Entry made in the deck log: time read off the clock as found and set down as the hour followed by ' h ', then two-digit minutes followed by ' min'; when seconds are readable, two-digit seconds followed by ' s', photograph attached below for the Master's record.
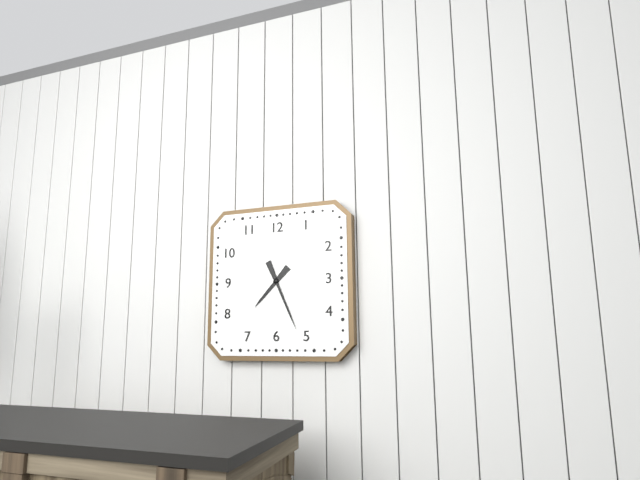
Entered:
7 h 26 min
